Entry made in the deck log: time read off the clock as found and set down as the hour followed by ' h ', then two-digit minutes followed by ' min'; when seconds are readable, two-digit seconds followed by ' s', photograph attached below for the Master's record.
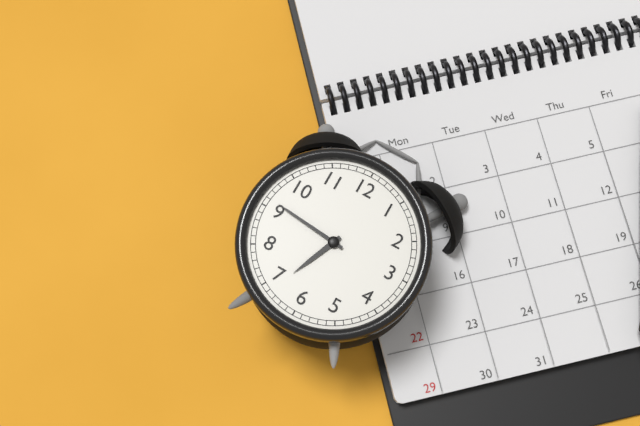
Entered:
6 h 46 min
